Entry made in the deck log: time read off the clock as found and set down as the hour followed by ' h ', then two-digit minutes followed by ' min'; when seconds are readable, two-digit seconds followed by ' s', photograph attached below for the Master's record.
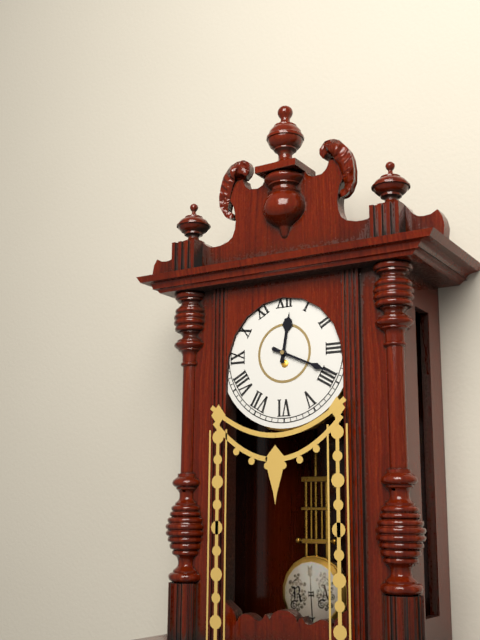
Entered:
12 h 19 min
